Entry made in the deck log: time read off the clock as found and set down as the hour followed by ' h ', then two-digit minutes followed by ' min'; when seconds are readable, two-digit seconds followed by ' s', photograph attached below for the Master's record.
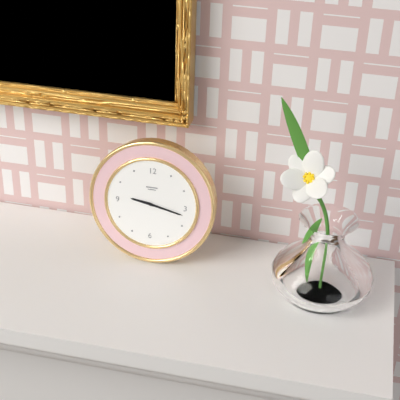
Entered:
9 h 17 min
